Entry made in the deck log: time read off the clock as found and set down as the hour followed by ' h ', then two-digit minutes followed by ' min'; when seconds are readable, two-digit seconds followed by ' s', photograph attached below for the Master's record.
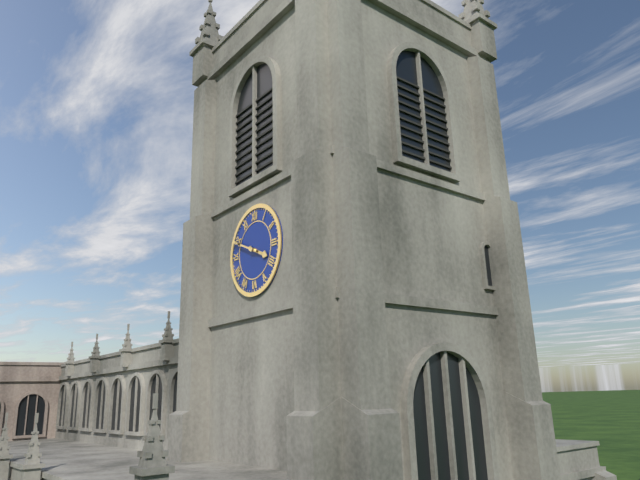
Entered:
3 h 49 min
